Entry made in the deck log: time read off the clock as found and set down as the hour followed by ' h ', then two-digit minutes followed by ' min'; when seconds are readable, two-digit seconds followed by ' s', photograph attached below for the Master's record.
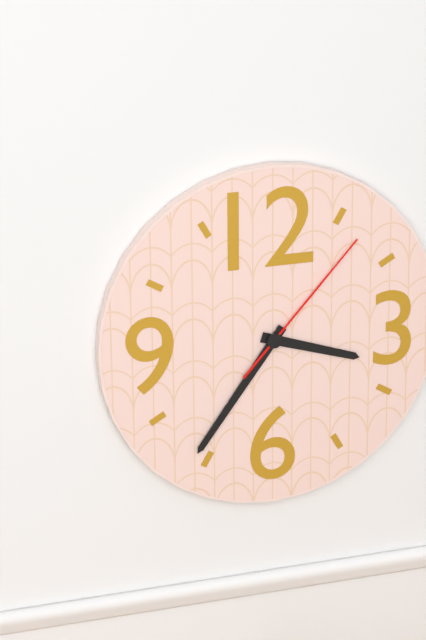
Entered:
3 h 36 min 07 s
